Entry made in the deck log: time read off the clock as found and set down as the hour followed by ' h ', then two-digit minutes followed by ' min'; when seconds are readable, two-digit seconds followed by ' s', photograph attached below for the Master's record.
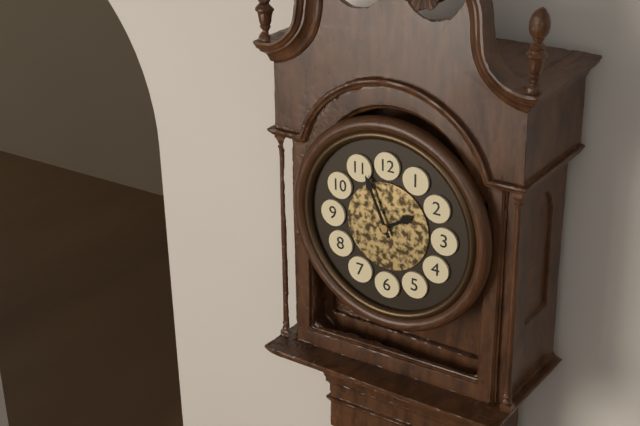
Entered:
1 h 56 min
